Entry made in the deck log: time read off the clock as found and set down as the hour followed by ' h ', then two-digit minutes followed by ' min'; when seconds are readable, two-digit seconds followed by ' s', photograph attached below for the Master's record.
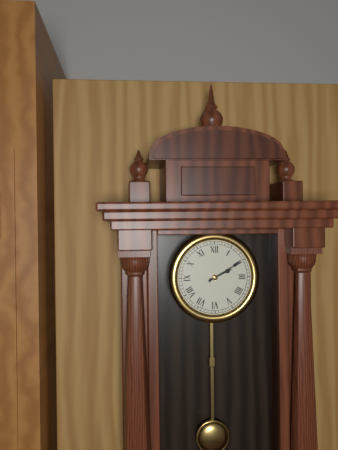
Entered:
2 h 10 min
